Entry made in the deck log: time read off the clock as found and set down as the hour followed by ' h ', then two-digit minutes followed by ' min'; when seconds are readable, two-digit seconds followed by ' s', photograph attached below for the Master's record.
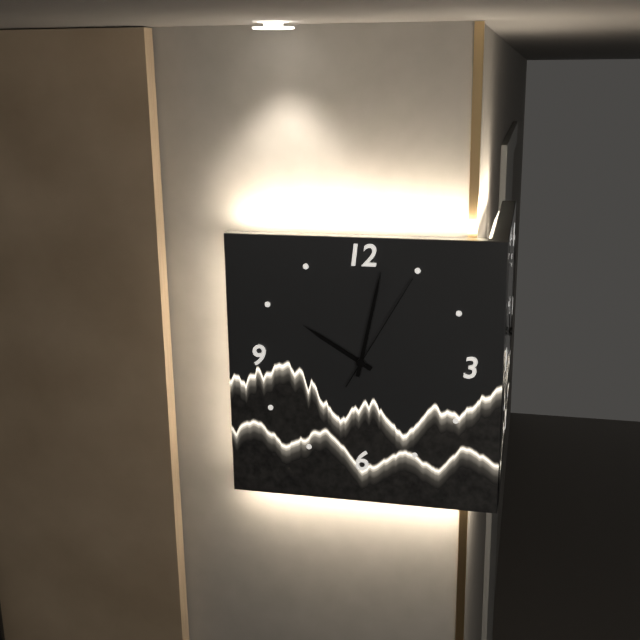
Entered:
10 h 02 min 05 s
